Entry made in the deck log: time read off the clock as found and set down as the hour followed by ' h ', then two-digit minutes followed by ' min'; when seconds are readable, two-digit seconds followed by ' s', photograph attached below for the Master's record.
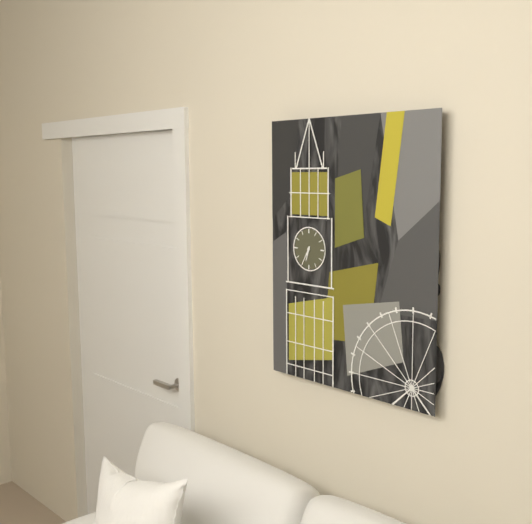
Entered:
6 h 35 min
